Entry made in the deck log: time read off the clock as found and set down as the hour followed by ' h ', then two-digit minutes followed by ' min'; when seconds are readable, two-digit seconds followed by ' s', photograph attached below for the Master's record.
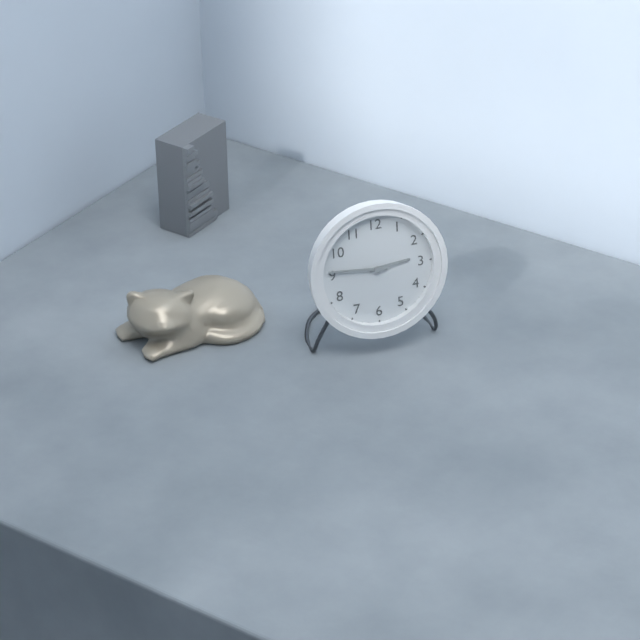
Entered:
2 h 46 min
